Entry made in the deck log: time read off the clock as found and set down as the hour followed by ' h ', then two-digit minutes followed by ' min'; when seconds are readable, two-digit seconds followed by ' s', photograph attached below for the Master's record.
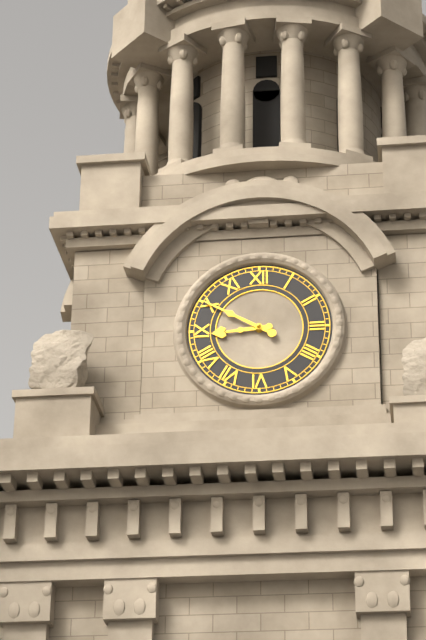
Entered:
8 h 50 min
